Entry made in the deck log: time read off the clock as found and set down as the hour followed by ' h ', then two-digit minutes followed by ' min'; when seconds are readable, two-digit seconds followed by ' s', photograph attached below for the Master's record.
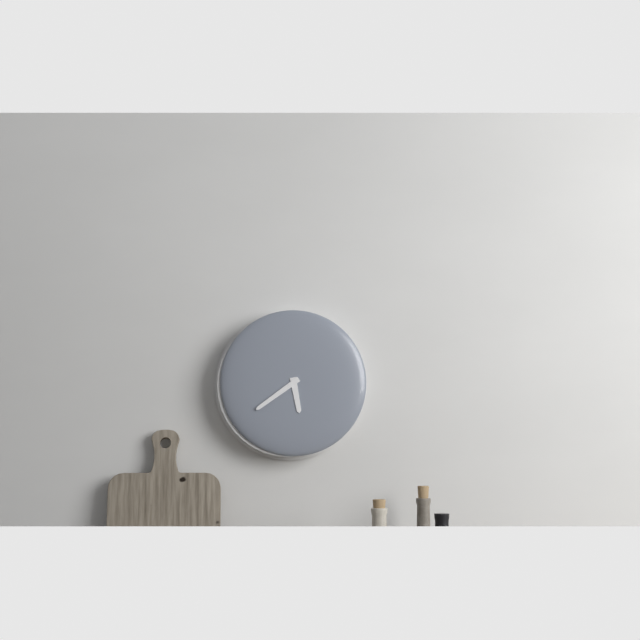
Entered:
5 h 39 min
